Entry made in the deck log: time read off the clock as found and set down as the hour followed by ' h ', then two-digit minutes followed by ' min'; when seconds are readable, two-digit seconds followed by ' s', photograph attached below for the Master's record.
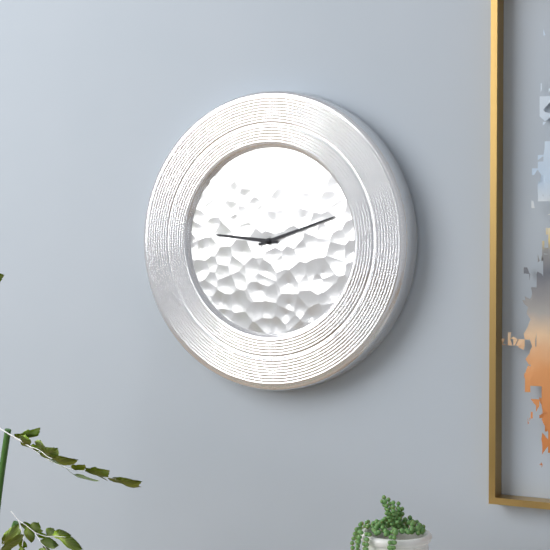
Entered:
9 h 12 min
